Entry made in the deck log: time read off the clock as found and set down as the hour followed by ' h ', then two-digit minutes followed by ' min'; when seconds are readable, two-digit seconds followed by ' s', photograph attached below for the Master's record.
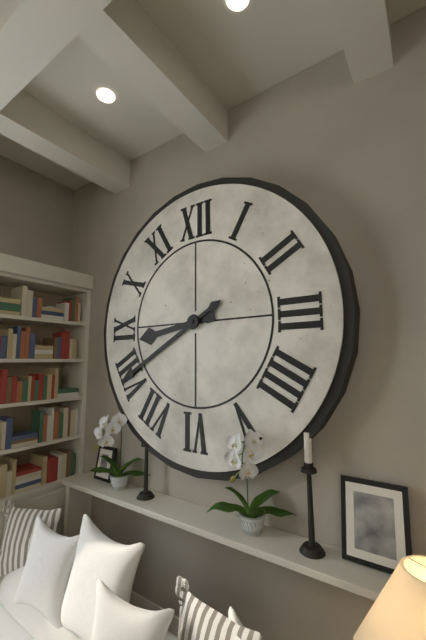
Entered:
8 h 40 min
